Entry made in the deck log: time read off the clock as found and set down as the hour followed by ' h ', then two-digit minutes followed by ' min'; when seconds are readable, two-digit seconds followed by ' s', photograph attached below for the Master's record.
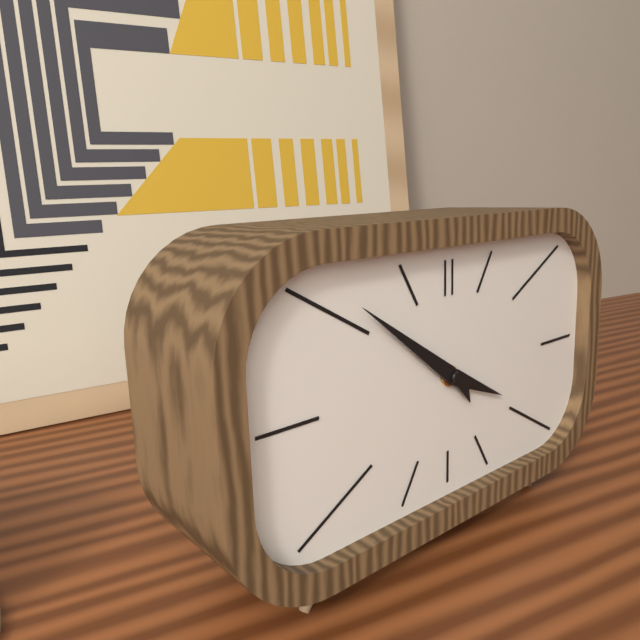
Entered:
3 h 51 min
